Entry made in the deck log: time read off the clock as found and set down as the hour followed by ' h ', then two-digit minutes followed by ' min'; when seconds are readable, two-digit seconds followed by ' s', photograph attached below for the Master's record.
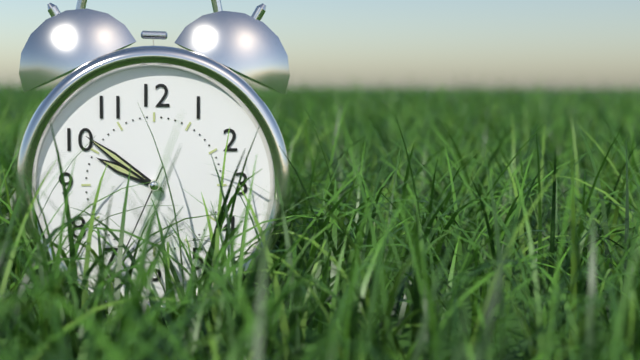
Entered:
9 h 51 min
